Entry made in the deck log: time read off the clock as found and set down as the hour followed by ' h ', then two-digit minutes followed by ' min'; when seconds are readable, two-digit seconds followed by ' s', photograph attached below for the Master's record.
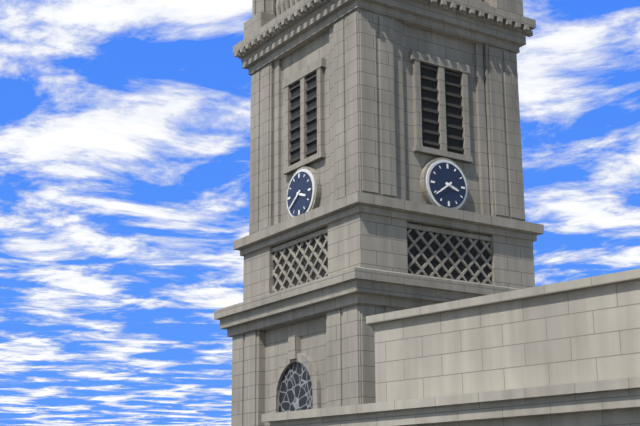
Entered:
3 h 39 min
